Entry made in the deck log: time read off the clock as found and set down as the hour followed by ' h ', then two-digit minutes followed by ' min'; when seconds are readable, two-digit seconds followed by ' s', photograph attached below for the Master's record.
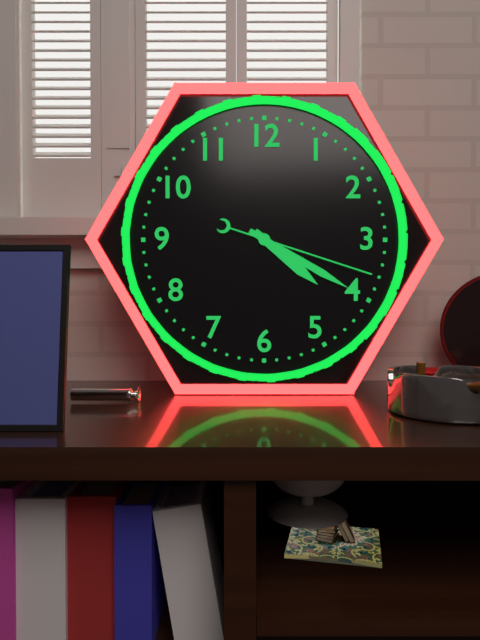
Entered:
4 h 20 min 18 s
